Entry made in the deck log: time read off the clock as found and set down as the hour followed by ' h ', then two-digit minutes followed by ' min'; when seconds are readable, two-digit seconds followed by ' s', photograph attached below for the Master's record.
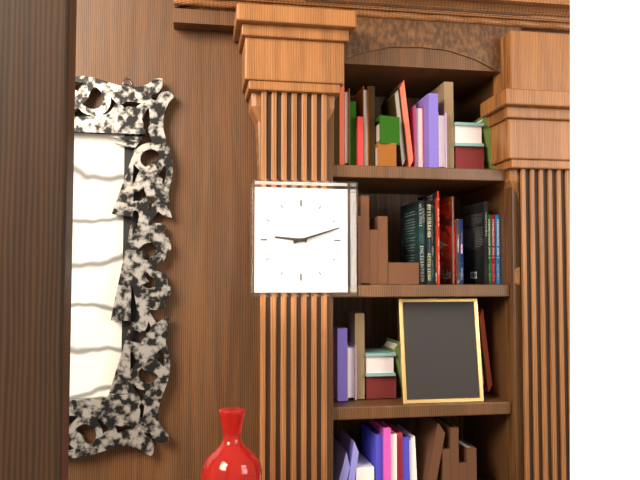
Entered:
9 h 12 min
